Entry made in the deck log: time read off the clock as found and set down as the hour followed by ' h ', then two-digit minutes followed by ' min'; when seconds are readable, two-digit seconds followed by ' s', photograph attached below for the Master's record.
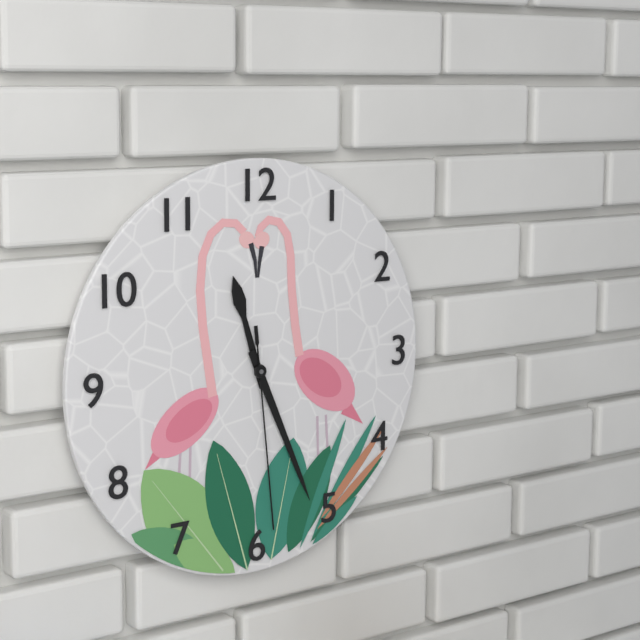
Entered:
11 h 26 min 29 s
